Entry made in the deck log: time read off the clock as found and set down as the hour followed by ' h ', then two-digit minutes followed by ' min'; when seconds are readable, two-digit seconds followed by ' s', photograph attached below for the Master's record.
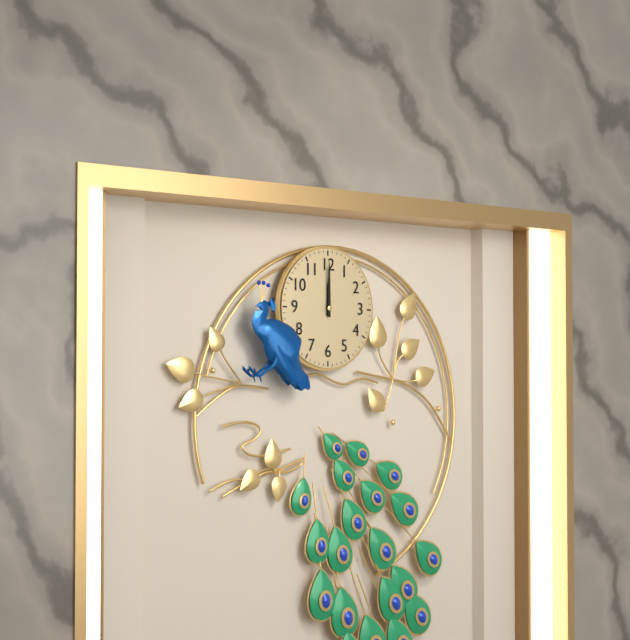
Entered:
12 h 00 min
